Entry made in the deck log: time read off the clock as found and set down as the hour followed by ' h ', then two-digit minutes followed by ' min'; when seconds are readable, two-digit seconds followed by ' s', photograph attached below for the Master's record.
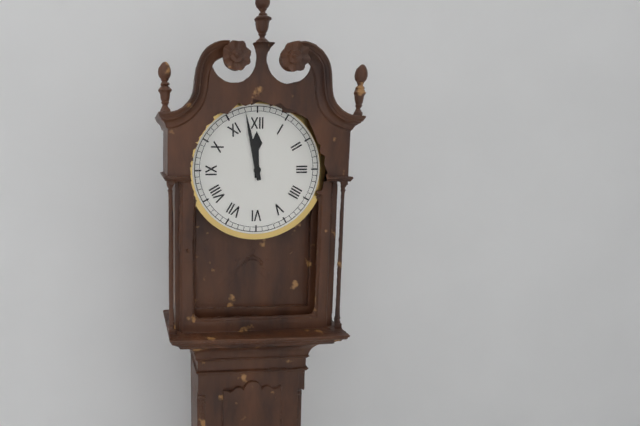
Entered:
11 h 58 min
